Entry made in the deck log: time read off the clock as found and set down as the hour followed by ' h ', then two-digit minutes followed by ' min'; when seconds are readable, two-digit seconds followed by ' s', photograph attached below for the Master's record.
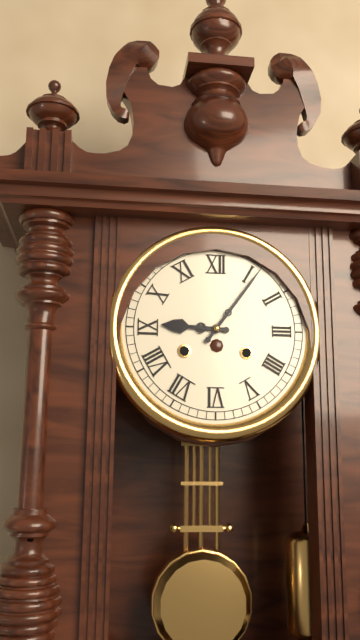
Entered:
9 h 06 min
